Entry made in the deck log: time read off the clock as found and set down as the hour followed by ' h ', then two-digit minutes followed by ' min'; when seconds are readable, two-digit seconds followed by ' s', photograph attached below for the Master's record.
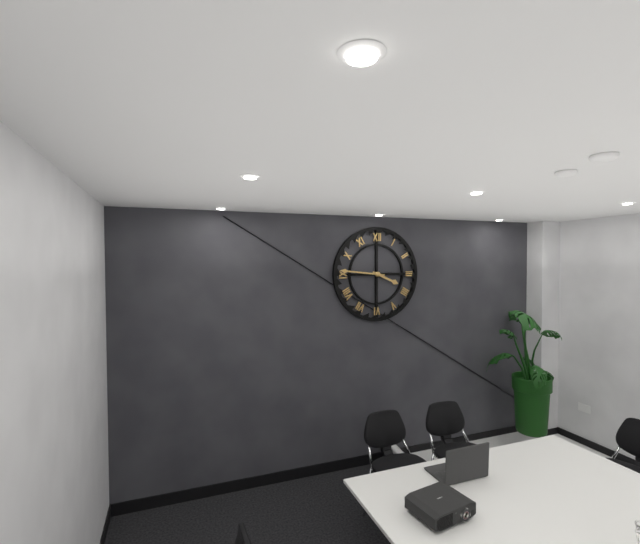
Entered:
3 h 46 min
